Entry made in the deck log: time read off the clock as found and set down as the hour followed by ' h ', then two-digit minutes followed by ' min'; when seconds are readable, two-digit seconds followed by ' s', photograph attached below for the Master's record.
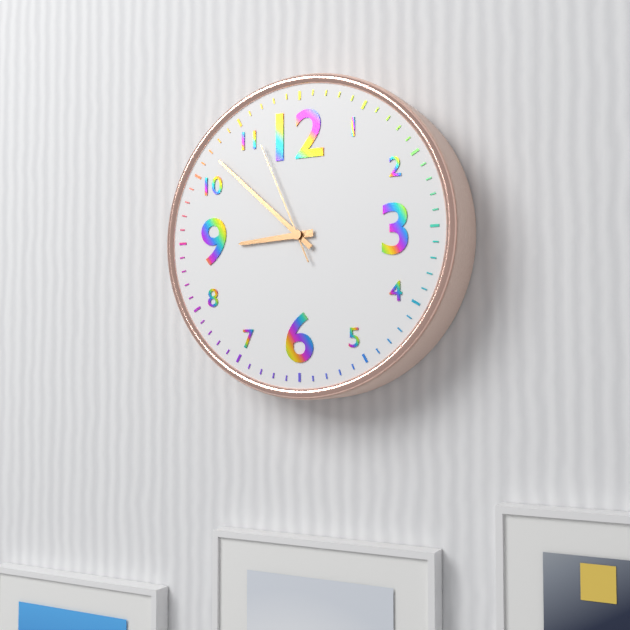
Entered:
8 h 52 min 56 s
